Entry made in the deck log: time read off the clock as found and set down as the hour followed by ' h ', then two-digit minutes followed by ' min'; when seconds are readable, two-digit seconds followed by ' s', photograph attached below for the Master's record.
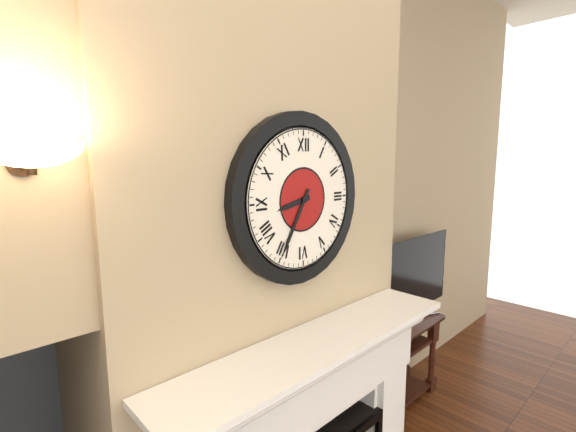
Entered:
8 h 35 min
